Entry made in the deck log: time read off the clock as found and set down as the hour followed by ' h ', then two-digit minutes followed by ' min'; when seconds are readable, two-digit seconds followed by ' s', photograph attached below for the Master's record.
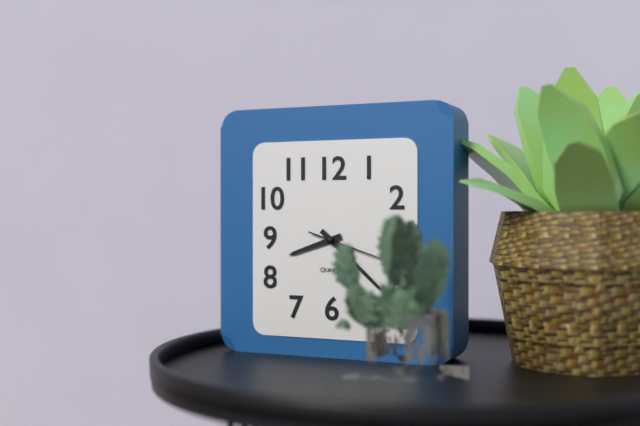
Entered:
8 h 22 min
